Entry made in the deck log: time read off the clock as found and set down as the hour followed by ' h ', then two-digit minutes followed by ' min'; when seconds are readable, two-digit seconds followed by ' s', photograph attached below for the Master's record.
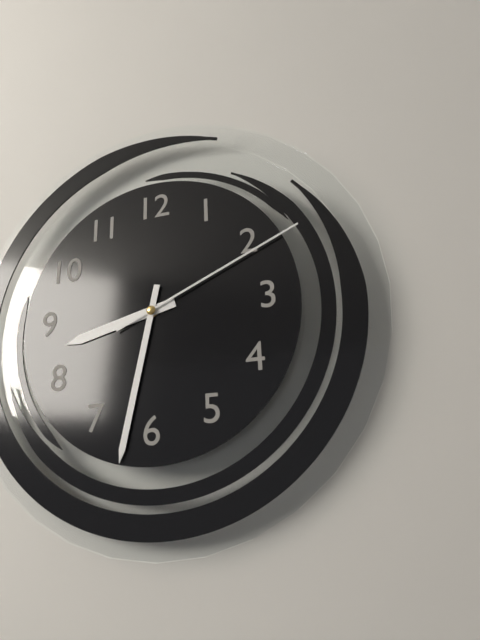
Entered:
8 h 32 min 11 s
